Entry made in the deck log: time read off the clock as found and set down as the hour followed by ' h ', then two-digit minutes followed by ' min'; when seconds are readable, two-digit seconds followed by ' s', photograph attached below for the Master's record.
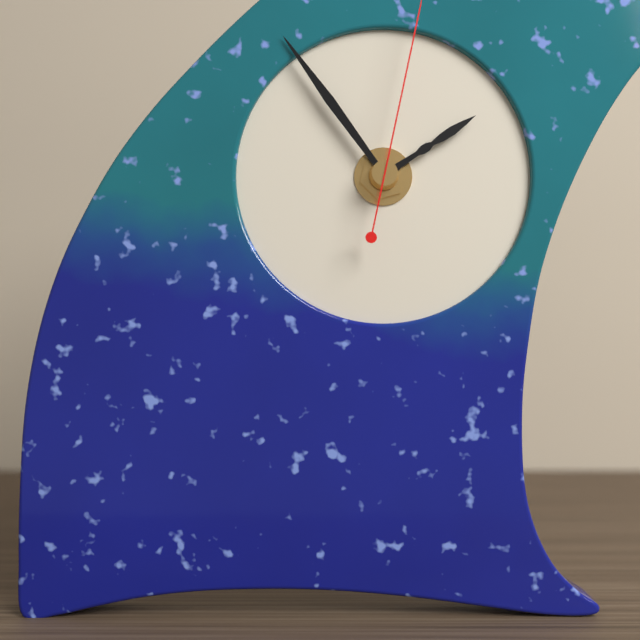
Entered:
1 h 54 min
